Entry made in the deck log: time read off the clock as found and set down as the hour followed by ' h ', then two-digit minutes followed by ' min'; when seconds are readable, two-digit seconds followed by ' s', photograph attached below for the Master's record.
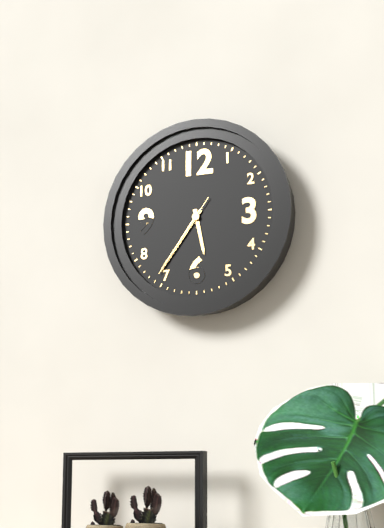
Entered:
5 h 36 min 36 s
